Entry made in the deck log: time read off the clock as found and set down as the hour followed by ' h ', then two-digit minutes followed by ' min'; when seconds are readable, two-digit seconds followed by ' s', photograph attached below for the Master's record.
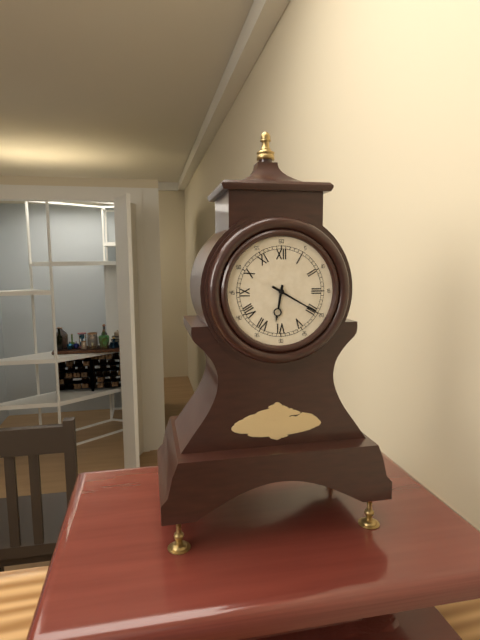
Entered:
6 h 20 min
